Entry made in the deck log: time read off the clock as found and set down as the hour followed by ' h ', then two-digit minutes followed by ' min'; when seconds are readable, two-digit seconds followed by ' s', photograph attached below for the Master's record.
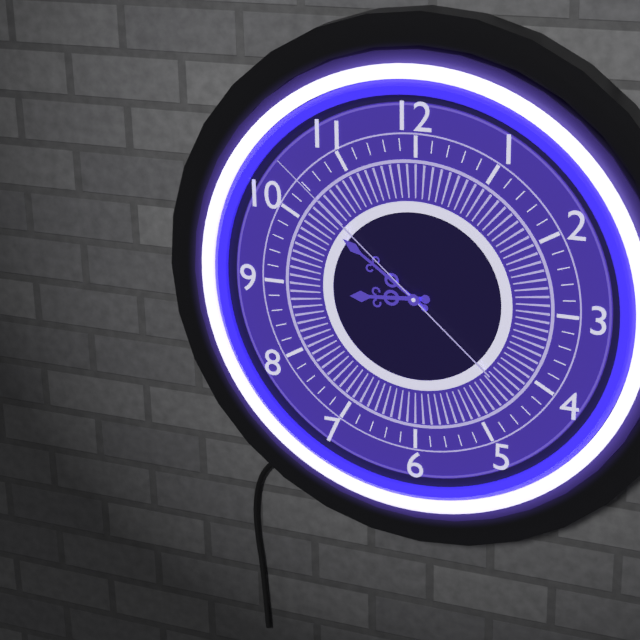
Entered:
8 h 51 min 52 s
